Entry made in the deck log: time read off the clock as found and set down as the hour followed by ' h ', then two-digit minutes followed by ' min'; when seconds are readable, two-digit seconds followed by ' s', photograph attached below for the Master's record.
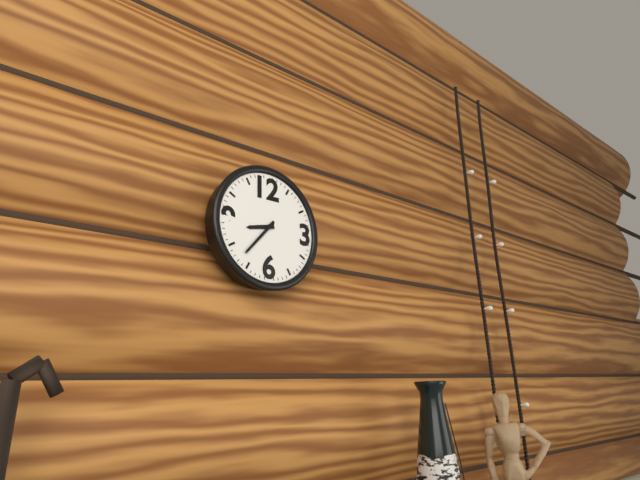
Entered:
8 h 37 min
